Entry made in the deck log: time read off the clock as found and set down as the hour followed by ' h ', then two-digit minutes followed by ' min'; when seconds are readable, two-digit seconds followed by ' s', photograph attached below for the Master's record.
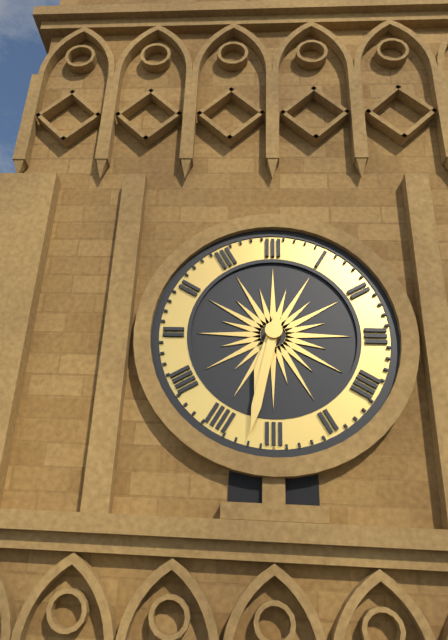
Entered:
6 h 32 min
